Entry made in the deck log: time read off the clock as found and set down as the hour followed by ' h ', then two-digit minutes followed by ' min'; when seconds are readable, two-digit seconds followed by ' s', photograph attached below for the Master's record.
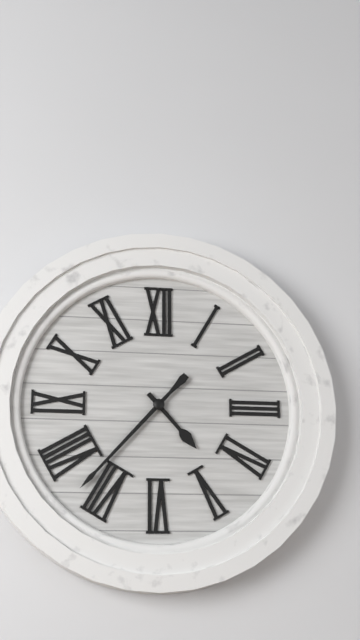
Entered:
4 h 37 min
